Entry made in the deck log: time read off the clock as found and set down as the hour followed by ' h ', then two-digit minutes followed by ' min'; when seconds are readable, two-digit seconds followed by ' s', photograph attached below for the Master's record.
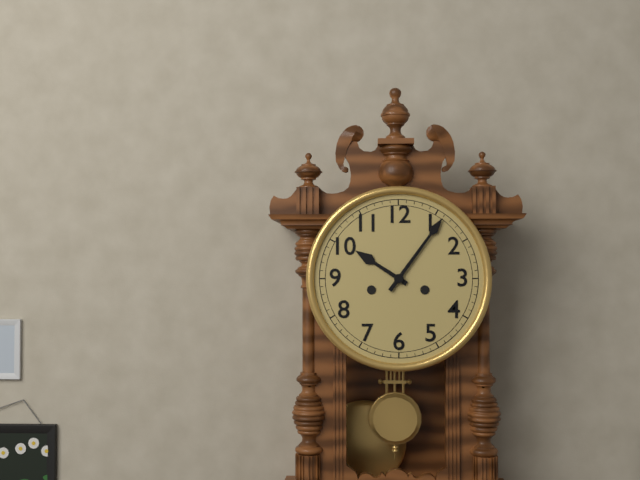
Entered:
10 h 06 min
